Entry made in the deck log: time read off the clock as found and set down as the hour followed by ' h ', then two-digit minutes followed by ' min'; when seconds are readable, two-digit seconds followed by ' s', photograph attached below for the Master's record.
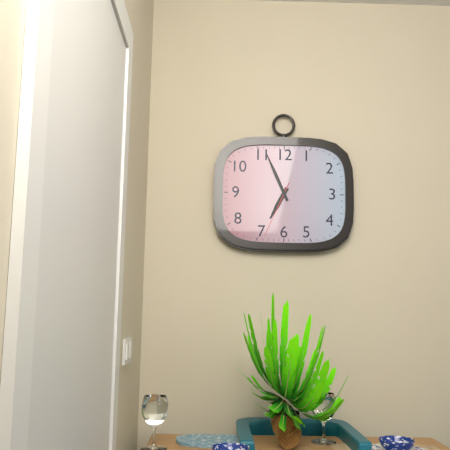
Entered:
6 h 56 min 34 s
